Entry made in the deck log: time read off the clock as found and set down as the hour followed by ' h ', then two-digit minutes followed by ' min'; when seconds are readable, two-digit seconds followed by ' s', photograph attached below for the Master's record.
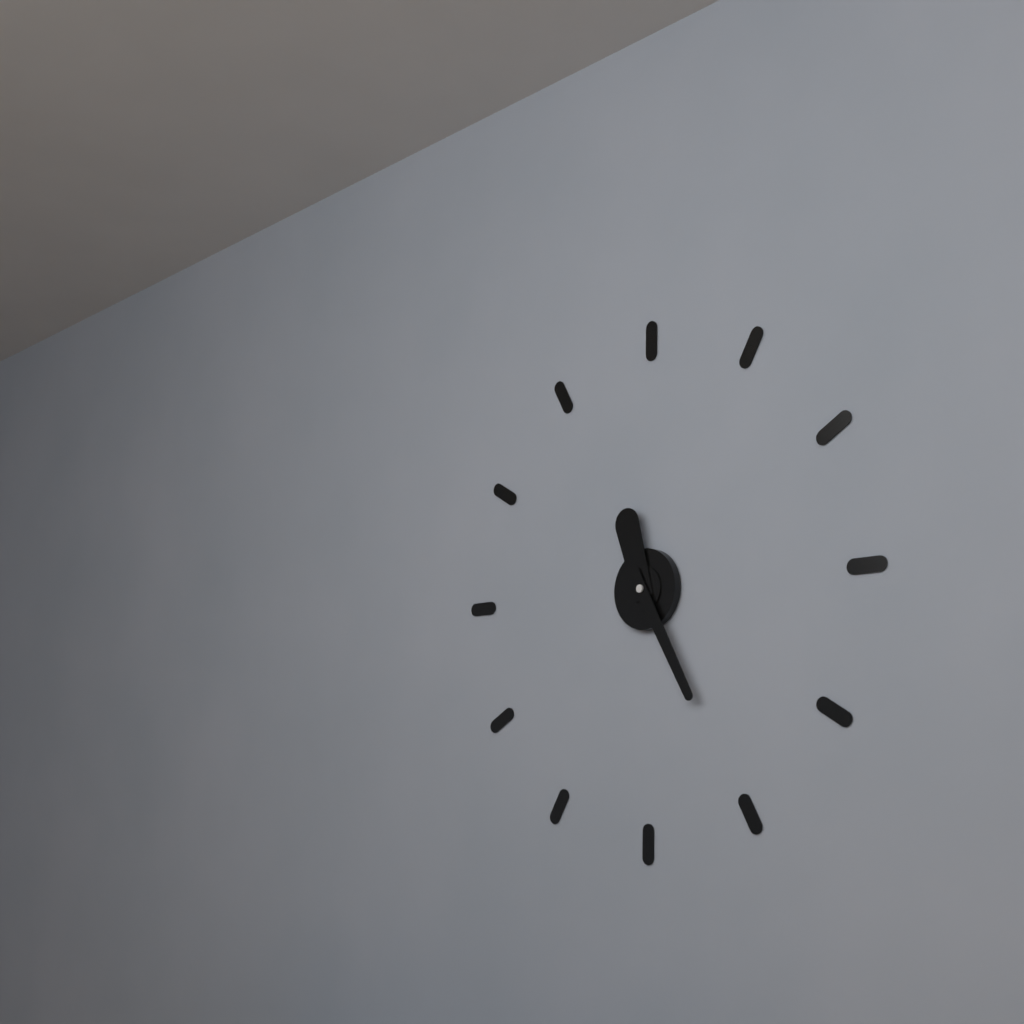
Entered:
11 h 25 min
